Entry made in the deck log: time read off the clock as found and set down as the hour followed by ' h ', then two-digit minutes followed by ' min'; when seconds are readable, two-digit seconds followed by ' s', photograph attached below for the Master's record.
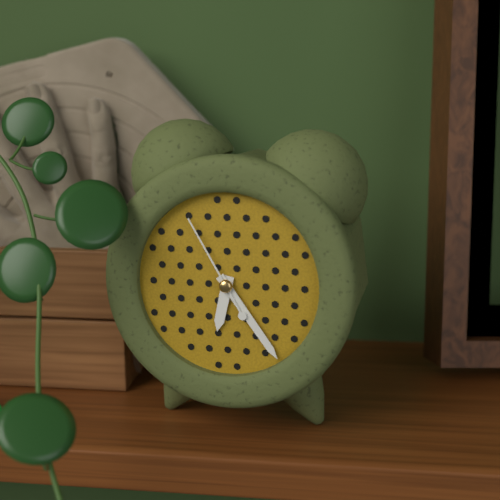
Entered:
6 h 24 min 55 s
